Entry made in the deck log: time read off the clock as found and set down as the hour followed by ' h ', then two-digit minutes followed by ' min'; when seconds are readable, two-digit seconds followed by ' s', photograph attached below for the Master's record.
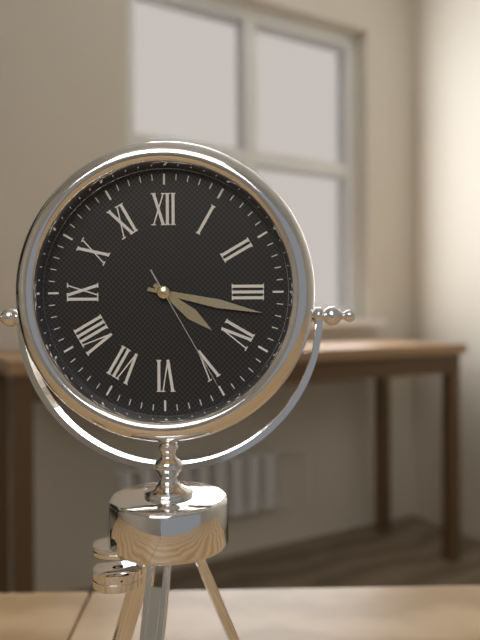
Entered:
4 h 17 min 25 s
